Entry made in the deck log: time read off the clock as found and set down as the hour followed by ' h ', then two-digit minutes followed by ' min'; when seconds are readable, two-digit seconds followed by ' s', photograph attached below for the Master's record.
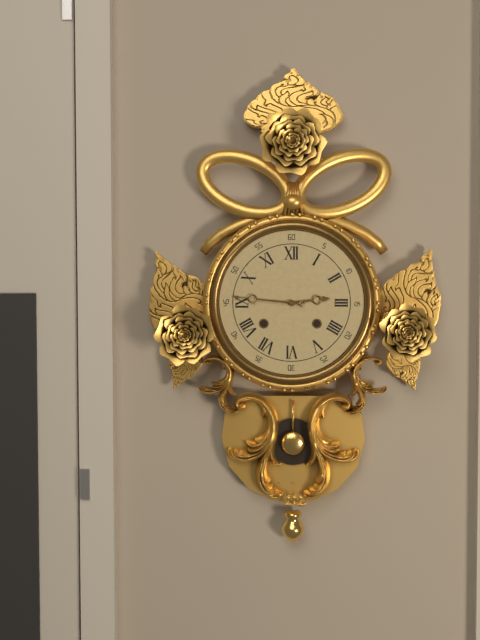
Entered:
2 h 46 min
